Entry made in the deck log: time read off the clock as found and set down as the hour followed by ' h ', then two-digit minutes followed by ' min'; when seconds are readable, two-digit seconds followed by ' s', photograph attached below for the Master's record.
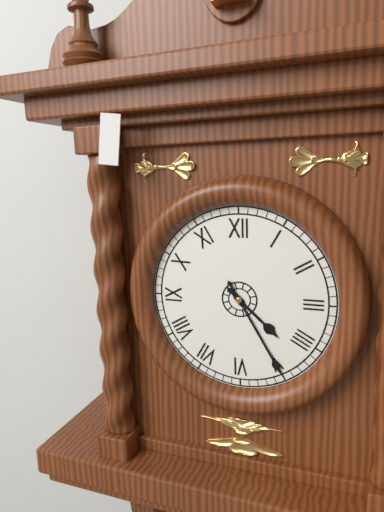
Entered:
4 h 25 min
